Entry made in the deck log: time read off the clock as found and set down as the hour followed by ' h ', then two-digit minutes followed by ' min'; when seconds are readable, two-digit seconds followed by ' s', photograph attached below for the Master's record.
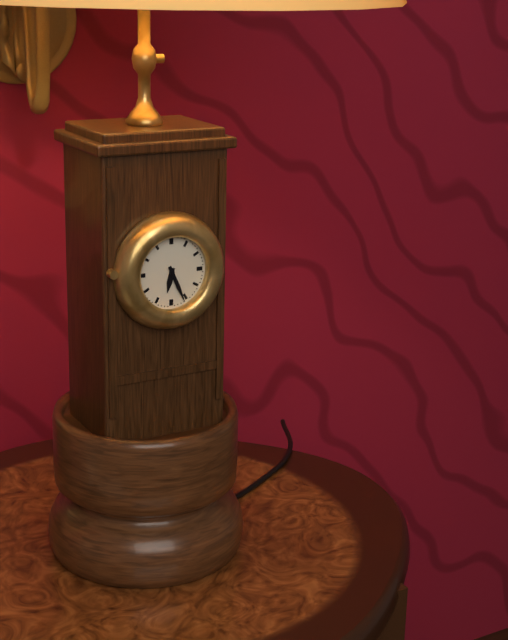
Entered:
6 h 26 min
